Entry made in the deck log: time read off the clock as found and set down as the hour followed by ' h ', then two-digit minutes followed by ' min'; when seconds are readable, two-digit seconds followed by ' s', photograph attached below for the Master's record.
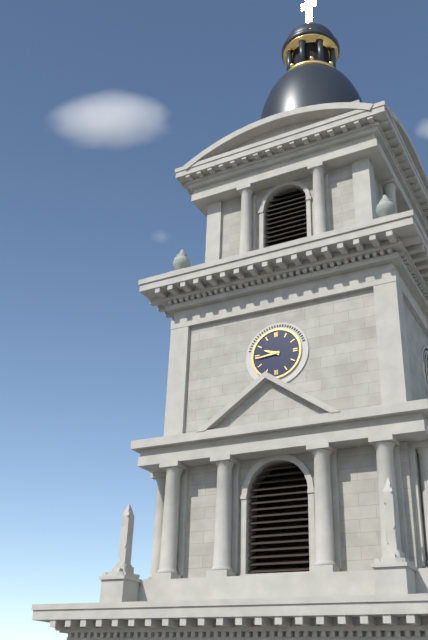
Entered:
9 h 44 min
